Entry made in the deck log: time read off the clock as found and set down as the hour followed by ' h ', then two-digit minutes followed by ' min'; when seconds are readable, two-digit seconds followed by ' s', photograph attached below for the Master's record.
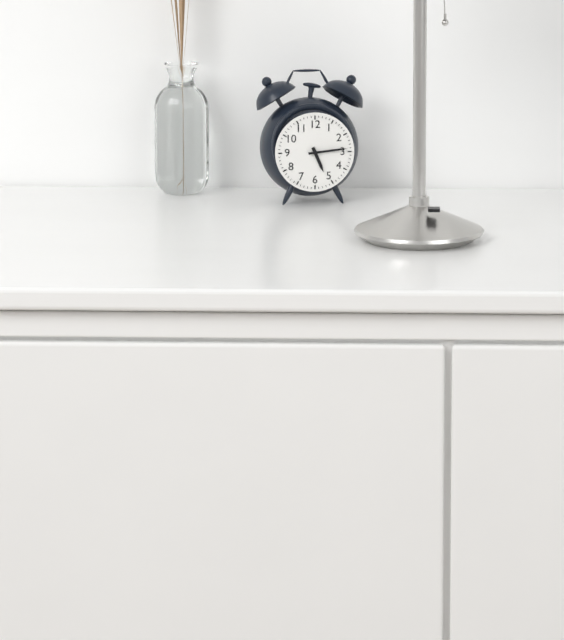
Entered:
5 h 14 min
